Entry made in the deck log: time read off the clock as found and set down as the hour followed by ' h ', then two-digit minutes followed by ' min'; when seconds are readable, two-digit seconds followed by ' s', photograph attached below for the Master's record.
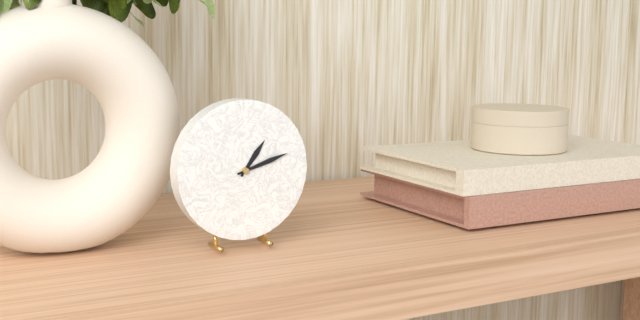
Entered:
1 h 12 min
